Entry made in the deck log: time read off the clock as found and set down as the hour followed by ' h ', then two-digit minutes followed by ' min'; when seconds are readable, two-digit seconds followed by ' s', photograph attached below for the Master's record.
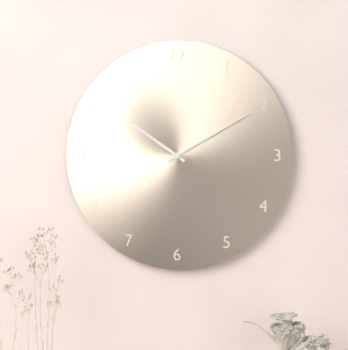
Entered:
10 h 10 min
